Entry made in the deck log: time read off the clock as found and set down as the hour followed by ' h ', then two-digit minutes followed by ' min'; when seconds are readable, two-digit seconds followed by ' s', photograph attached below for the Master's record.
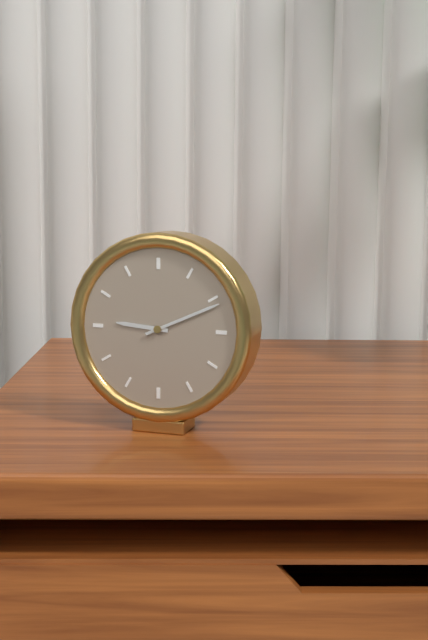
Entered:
9 h 11 min
